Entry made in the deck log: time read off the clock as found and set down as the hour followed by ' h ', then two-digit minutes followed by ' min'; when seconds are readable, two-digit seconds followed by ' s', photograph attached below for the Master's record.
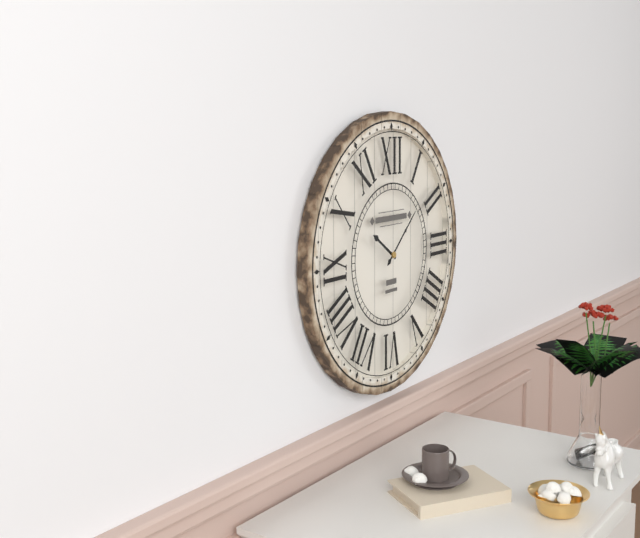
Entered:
10 h 08 min
